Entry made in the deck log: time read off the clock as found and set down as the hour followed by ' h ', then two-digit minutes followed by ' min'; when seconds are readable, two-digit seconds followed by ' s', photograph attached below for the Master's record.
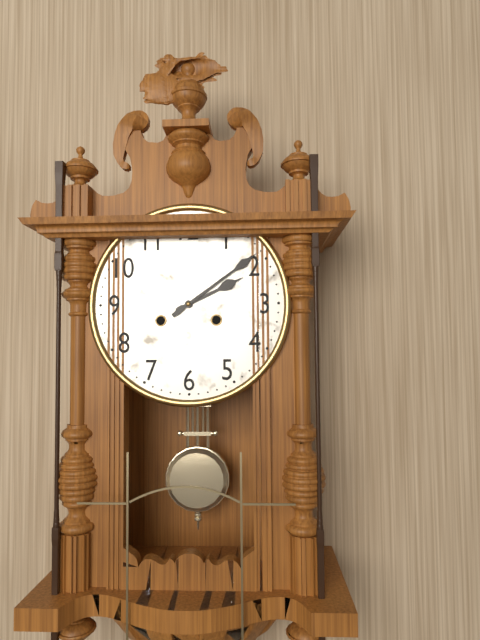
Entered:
2 h 09 min
